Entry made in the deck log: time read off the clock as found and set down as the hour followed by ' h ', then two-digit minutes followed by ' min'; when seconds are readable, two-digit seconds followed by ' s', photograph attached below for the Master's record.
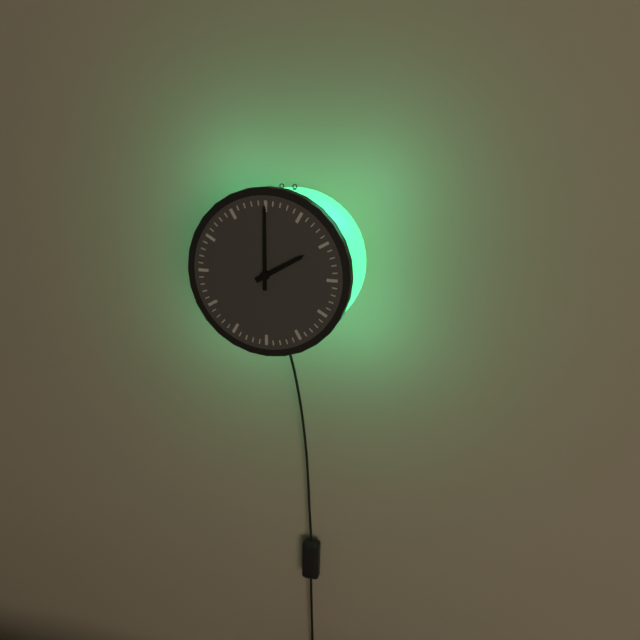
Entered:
2 h 00 min
